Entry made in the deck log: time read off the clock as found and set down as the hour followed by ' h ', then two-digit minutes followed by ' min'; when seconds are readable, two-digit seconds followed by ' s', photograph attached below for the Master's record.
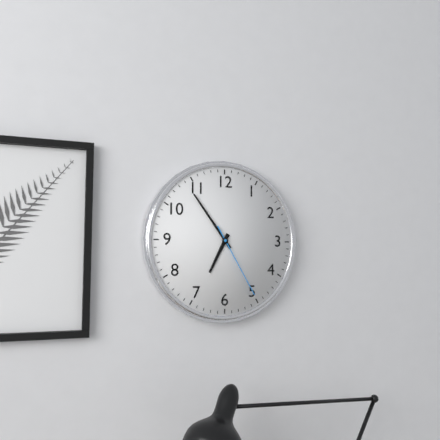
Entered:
6 h 54 min 25 s
